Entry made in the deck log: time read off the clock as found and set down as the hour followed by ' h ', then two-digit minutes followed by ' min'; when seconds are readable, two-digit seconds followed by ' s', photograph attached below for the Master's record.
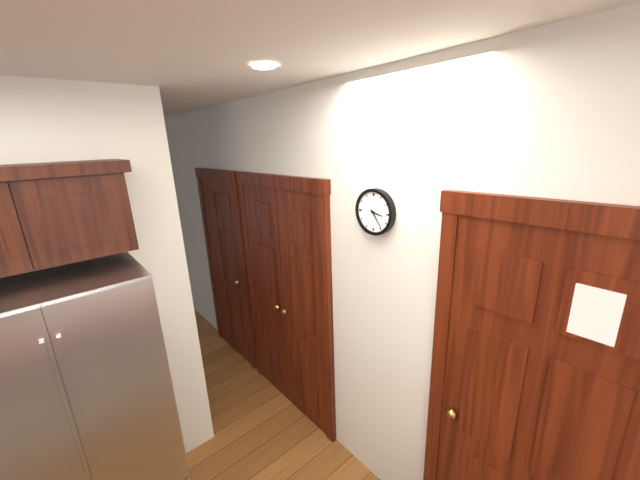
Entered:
3 h 24 min
